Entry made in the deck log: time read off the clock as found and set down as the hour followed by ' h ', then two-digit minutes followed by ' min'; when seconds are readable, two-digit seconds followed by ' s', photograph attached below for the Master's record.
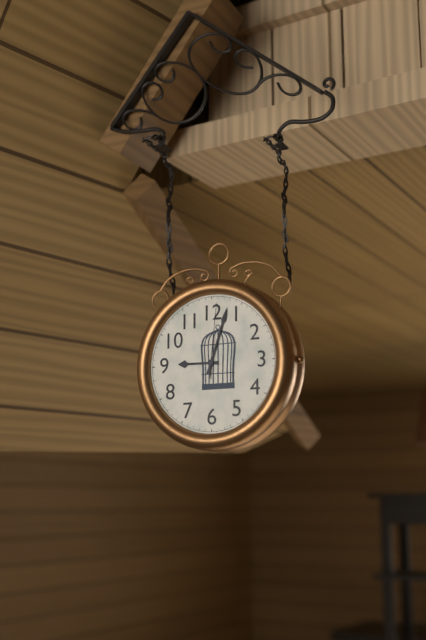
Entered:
9 h 03 min 01 s
